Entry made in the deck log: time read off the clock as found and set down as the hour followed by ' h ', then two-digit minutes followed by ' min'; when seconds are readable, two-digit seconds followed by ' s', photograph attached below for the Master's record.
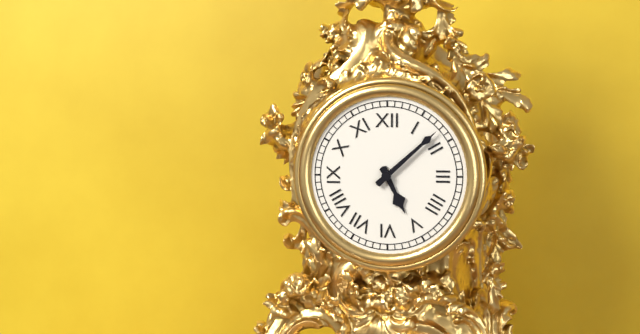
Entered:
5 h 08 min
